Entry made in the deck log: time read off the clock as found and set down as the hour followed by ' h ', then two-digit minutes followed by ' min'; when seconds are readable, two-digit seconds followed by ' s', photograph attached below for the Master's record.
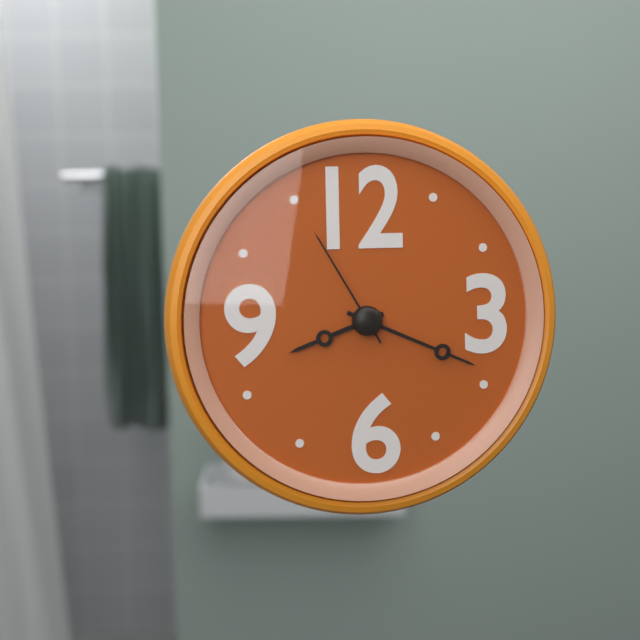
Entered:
8 h 19 min 55 s
